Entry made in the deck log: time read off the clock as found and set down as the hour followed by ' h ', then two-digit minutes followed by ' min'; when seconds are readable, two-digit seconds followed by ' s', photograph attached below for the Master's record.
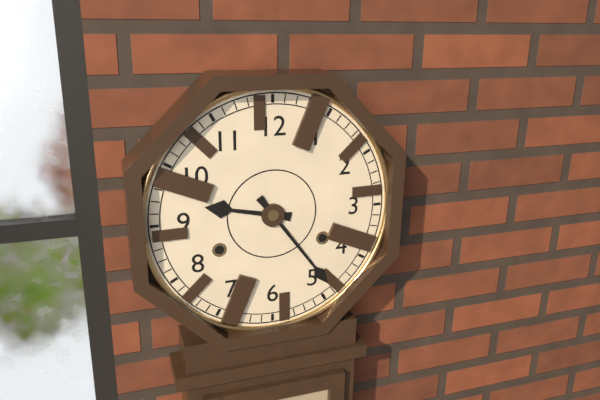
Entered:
9 h 24 min
